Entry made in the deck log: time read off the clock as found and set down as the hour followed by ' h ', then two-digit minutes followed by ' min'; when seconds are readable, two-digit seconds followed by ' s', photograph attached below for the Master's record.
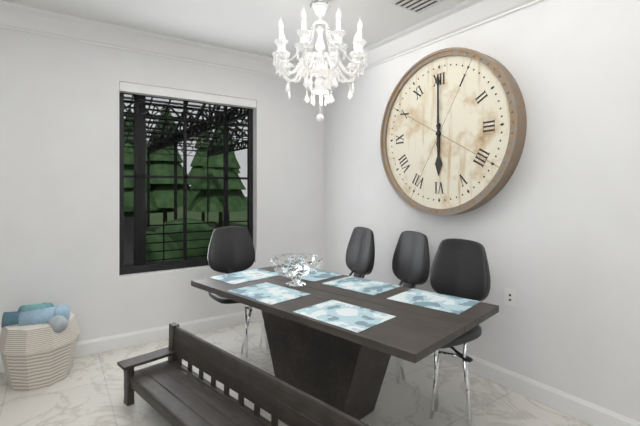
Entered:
6 h 00 min
